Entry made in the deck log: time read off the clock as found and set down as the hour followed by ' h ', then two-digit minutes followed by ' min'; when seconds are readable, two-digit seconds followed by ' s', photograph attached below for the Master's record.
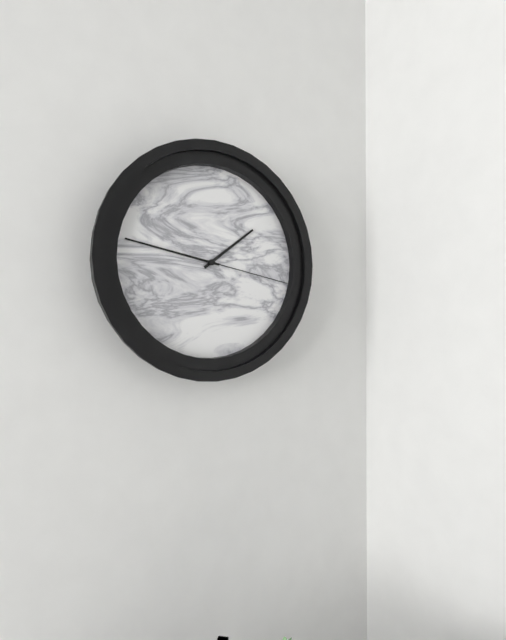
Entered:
1 h 47 min 17 s
